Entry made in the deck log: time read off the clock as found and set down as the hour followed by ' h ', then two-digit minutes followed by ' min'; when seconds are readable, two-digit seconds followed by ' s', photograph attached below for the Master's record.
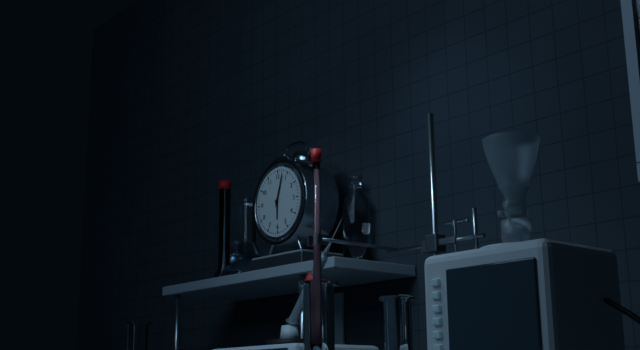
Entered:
6 h 03 min
